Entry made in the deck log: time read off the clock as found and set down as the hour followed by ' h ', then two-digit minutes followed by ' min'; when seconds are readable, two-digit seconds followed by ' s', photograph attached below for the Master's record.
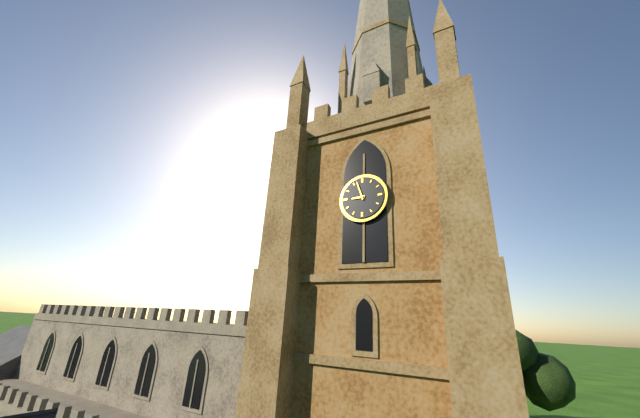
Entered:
8 h 57 min
